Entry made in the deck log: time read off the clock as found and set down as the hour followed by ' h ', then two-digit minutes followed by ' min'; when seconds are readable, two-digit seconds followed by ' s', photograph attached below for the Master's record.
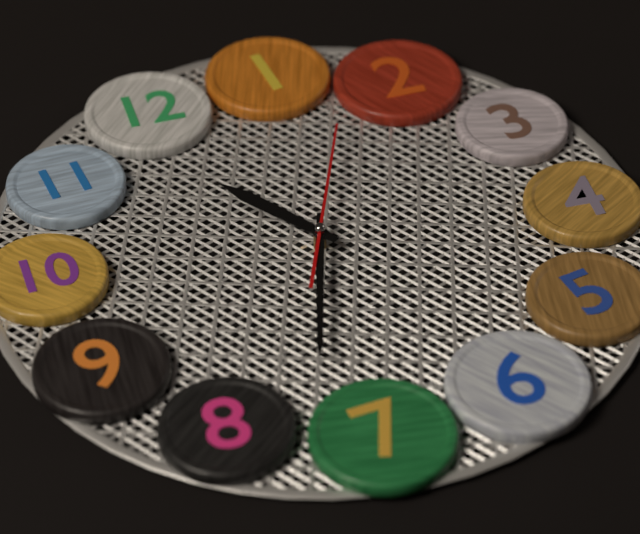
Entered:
11 h 37 min 08 s
